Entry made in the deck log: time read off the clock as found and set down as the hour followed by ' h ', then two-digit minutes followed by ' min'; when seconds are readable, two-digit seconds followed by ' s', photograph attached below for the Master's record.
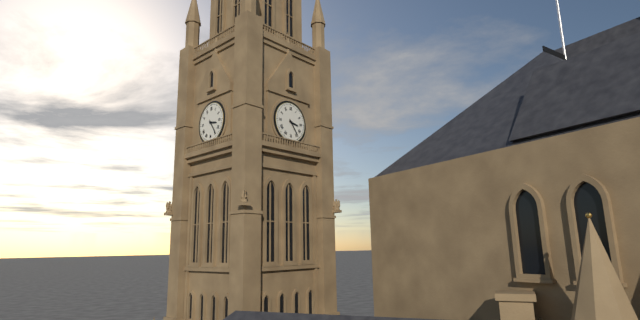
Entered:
3 h 24 min
